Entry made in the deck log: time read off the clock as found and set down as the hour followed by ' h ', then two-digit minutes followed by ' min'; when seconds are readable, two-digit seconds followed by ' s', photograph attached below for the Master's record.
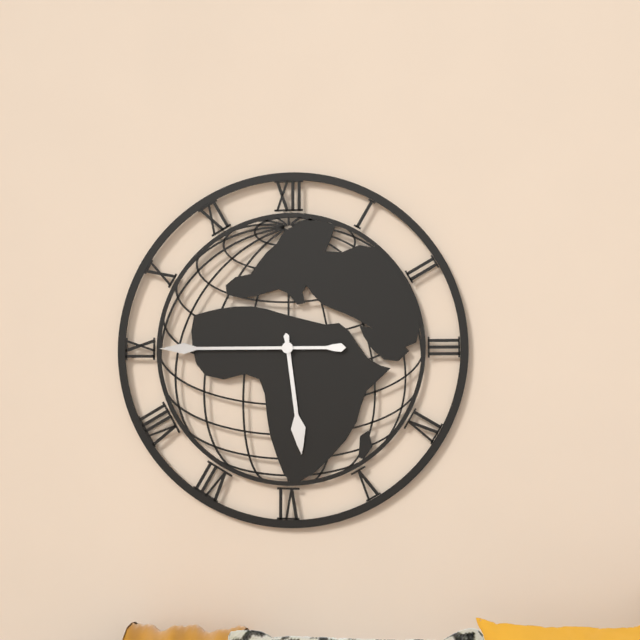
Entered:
5 h 45 min
